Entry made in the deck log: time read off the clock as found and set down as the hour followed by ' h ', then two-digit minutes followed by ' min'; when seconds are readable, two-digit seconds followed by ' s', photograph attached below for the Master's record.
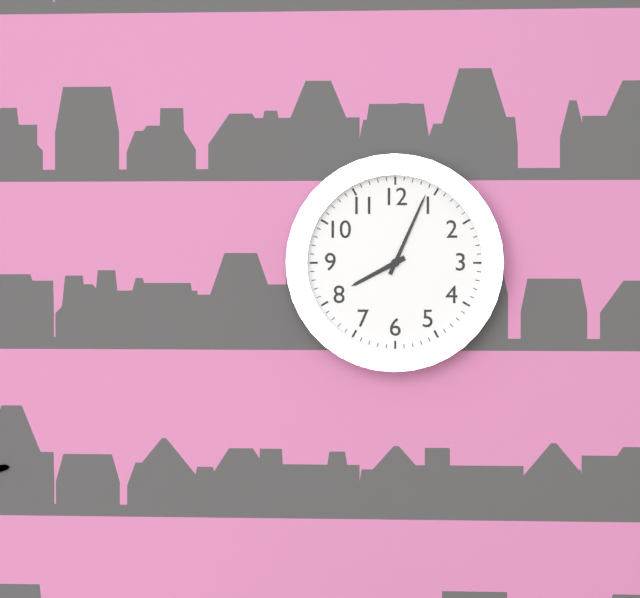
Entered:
8 h 04 min
